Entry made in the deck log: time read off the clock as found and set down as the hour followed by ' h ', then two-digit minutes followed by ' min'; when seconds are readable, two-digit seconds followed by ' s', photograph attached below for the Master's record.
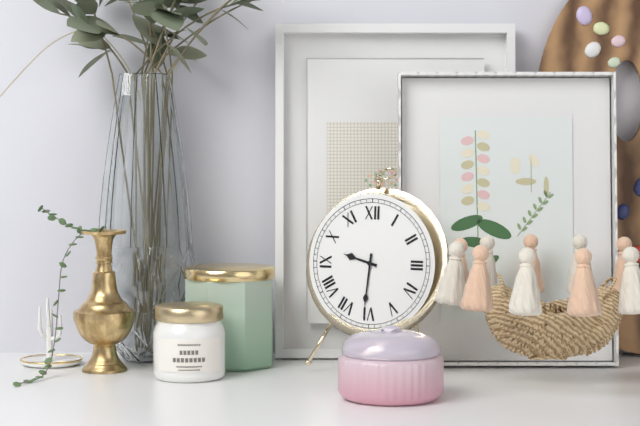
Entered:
9 h 31 min
